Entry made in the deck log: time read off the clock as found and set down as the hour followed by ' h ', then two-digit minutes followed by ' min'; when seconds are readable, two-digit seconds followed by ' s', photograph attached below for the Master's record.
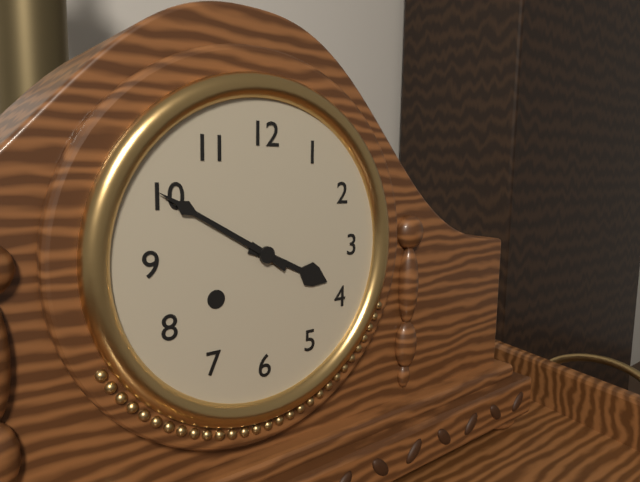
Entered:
3 h 50 min
